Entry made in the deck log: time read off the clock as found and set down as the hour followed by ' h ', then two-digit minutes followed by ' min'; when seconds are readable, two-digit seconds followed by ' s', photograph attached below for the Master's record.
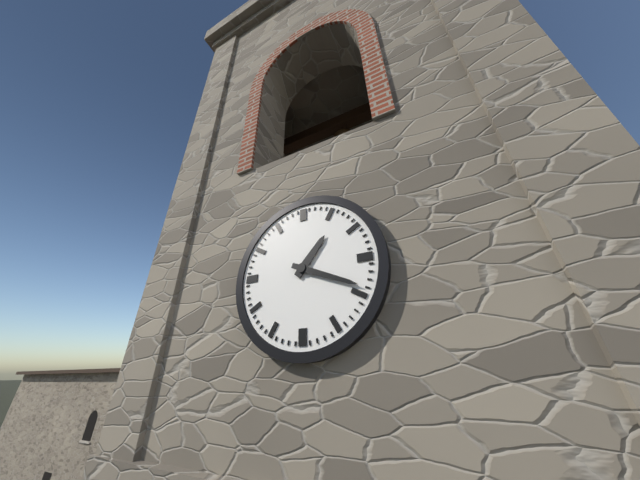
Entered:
1 h 19 min
